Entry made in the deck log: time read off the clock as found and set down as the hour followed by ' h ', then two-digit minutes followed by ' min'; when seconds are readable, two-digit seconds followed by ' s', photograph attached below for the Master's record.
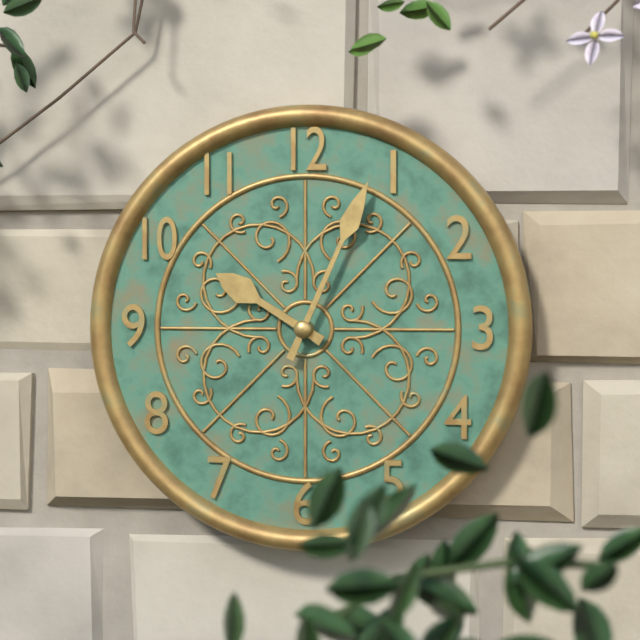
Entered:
10 h 04 min
